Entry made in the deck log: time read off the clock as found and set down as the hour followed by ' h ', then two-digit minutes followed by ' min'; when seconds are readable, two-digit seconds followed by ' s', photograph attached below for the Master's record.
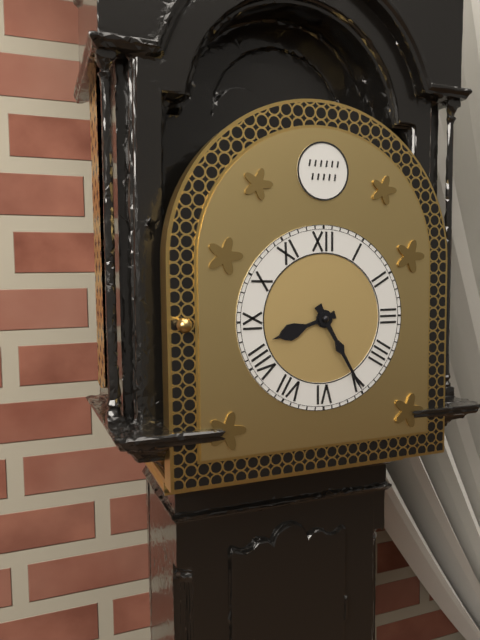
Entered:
8 h 25 min
